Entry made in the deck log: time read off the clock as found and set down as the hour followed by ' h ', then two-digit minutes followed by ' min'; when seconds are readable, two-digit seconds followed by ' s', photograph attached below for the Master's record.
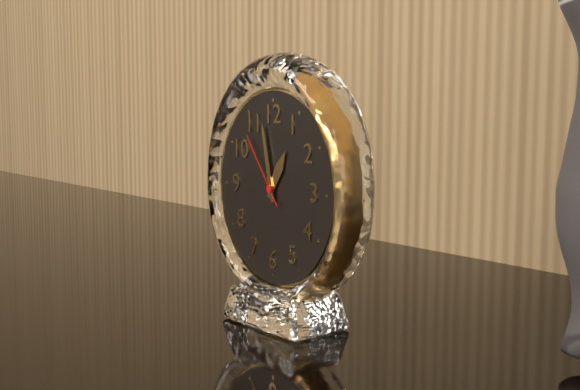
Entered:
12 h 58 min 54 s
